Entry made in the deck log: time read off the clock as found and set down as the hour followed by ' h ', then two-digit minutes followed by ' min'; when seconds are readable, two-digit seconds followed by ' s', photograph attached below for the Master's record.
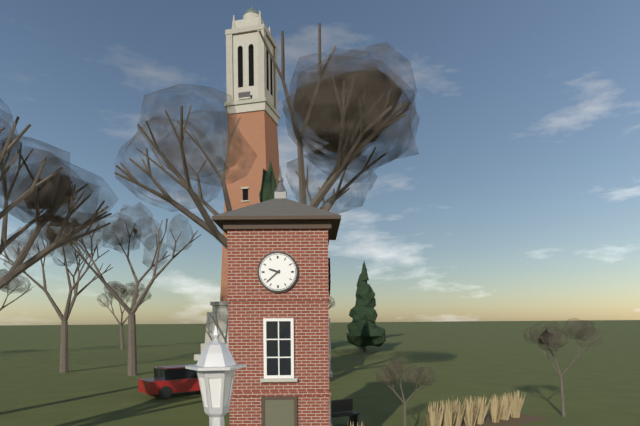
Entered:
9 h 38 min
